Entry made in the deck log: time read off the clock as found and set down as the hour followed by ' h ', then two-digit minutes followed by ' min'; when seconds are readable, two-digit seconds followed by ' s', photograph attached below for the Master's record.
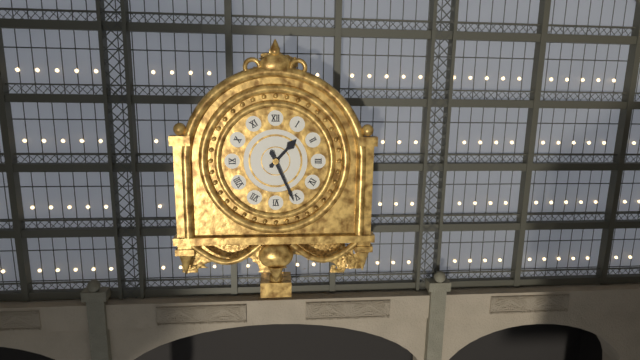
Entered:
1 h 26 min
